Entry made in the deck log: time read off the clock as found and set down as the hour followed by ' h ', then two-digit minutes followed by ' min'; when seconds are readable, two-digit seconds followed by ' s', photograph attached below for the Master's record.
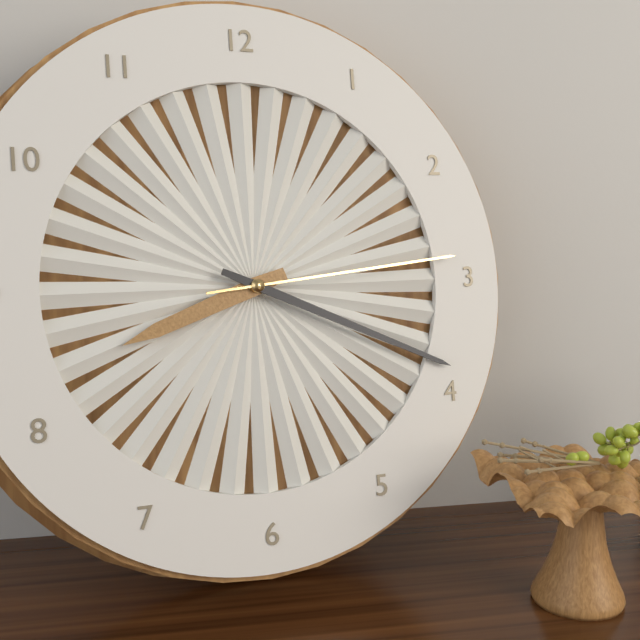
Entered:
8 h 19 min 14 s
